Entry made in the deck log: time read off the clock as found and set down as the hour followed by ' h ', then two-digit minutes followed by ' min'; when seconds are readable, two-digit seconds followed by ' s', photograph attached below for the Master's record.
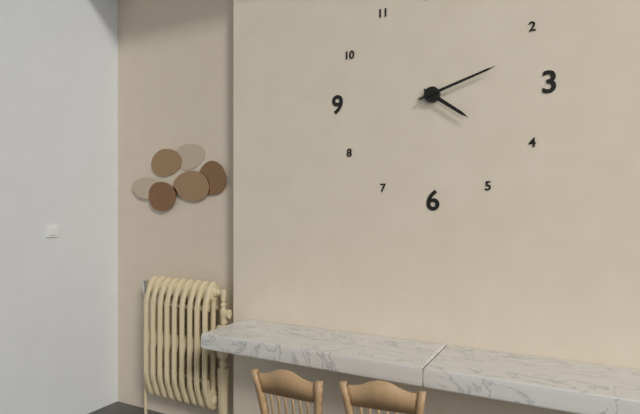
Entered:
4 h 12 min
